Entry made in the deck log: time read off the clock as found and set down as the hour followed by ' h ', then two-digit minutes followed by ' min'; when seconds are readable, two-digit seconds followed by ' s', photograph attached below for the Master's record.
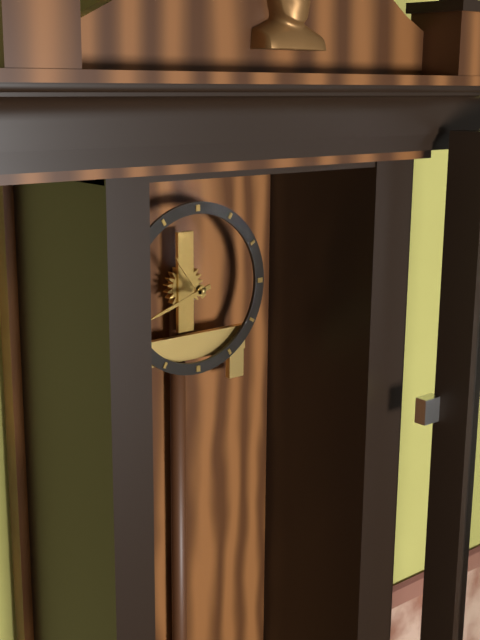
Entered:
10 h 42 min
